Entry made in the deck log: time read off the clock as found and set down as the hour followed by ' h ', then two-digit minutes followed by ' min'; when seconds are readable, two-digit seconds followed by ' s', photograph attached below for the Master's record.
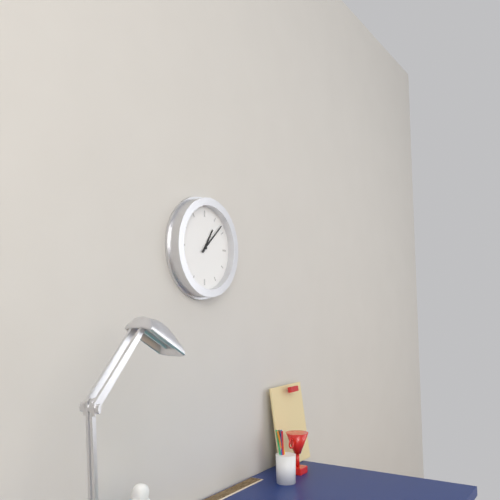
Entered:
1 h 08 min
